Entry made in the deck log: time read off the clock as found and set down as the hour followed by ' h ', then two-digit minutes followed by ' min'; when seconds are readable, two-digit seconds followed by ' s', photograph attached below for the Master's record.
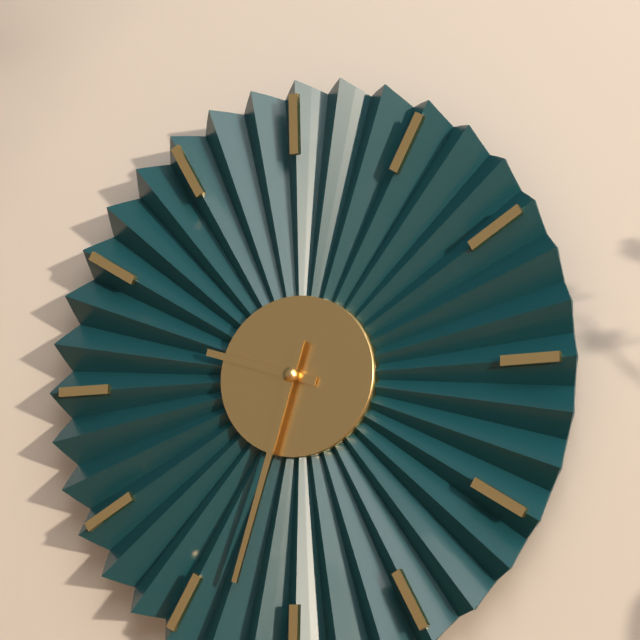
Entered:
9 h 33 min
